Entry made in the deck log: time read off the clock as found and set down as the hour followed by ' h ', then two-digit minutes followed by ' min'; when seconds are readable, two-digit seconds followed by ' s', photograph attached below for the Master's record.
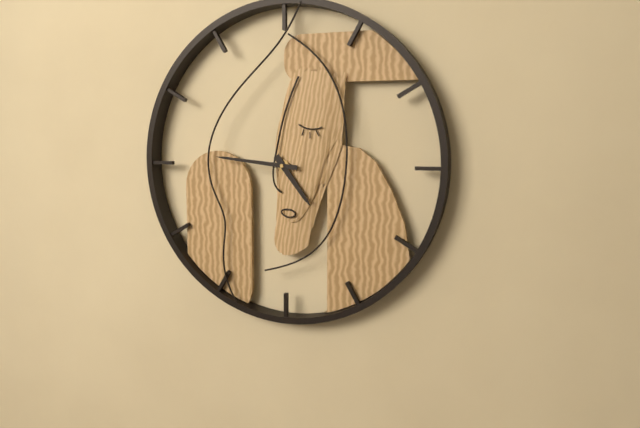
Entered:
4 h 46 min
